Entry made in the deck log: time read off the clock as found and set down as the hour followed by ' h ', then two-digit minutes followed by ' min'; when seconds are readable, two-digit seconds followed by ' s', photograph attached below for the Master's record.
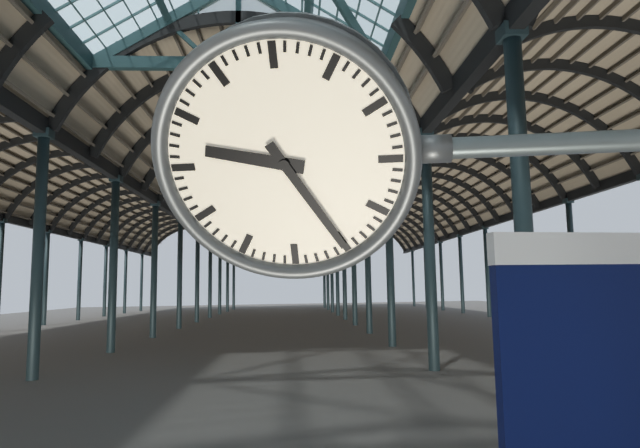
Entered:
9 h 25 min
